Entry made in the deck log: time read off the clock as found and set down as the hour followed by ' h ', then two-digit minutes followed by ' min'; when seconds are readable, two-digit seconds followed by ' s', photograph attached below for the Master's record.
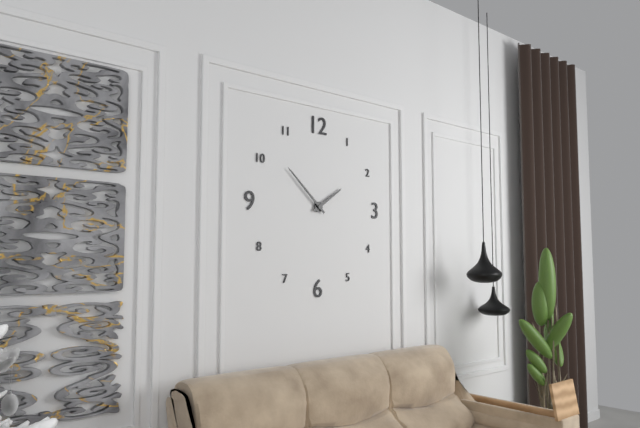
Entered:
1 h 52 min
